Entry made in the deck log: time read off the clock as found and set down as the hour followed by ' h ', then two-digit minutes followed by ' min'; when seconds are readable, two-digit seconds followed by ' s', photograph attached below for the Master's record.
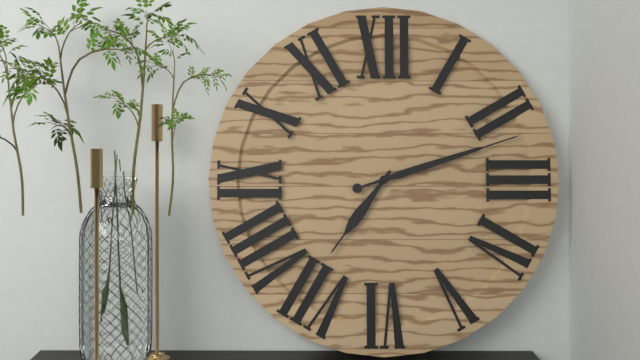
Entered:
7 h 12 min
